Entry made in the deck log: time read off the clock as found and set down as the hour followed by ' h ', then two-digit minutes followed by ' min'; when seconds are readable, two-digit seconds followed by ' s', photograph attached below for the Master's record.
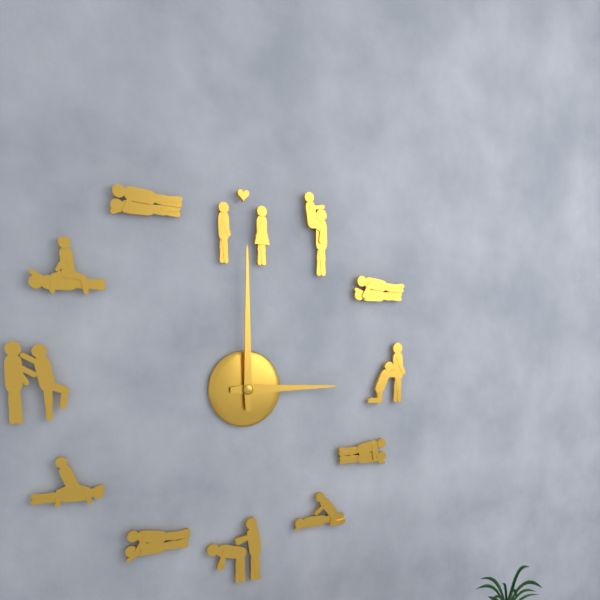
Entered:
3 h 00 min
